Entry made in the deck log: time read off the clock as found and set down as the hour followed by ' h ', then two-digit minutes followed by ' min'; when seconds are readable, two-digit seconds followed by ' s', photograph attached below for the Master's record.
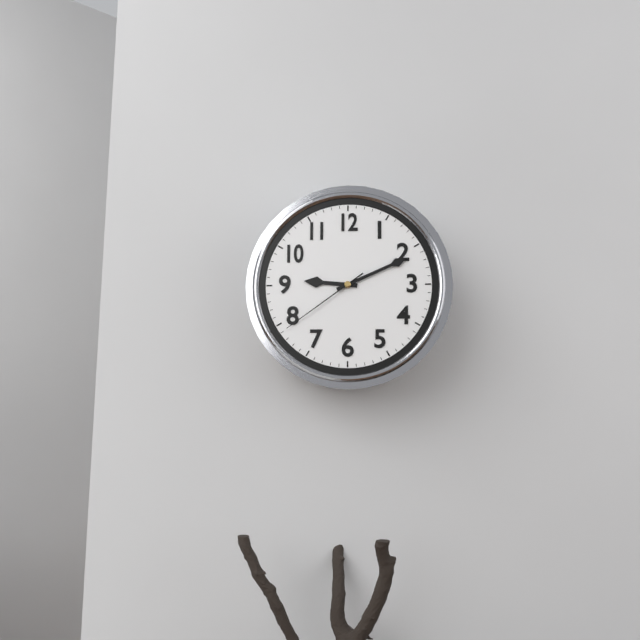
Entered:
9 h 11 min 39 s
